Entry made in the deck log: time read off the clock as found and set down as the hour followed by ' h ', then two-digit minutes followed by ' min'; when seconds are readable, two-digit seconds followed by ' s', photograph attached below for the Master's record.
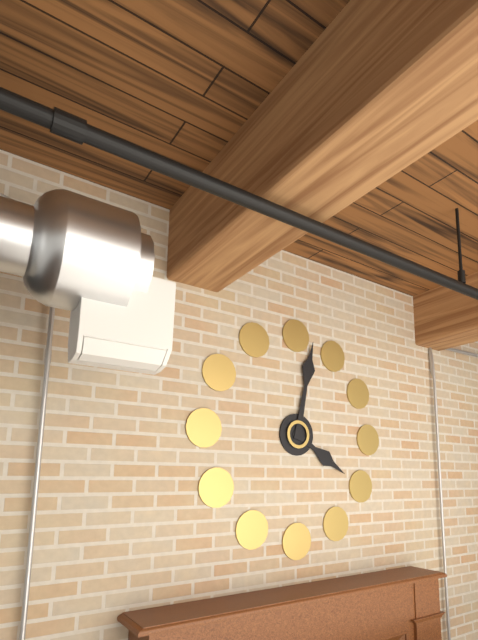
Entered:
4 h 02 min
